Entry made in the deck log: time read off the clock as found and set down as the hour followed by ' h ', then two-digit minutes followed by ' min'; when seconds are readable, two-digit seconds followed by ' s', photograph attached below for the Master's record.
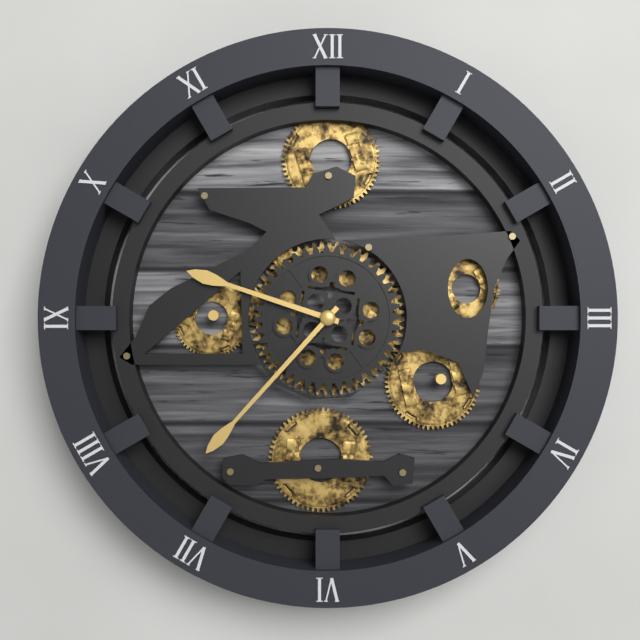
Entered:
9 h 37 min
